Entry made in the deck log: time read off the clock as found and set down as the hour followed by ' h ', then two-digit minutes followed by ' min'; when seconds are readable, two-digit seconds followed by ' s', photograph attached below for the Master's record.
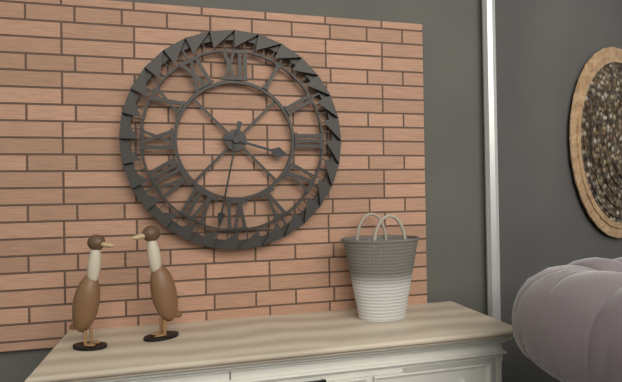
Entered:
3 h 32 min
